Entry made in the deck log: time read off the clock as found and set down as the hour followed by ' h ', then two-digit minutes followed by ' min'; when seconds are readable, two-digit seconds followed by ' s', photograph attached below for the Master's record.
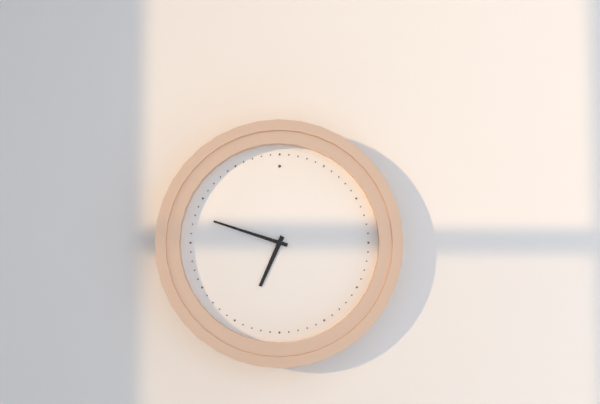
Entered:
6 h 48 min
